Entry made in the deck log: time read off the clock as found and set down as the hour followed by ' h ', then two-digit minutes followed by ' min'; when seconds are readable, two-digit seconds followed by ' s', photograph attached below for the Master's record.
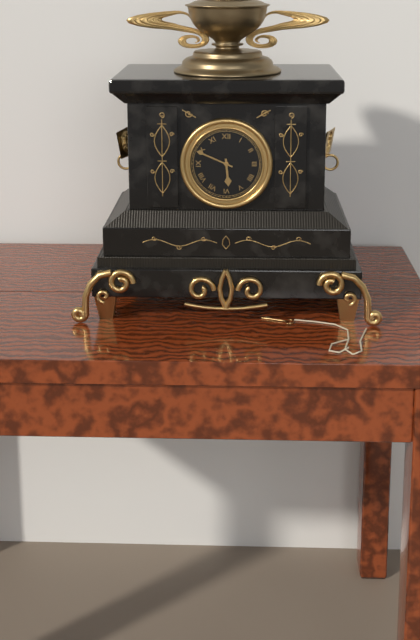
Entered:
5 h 49 min
